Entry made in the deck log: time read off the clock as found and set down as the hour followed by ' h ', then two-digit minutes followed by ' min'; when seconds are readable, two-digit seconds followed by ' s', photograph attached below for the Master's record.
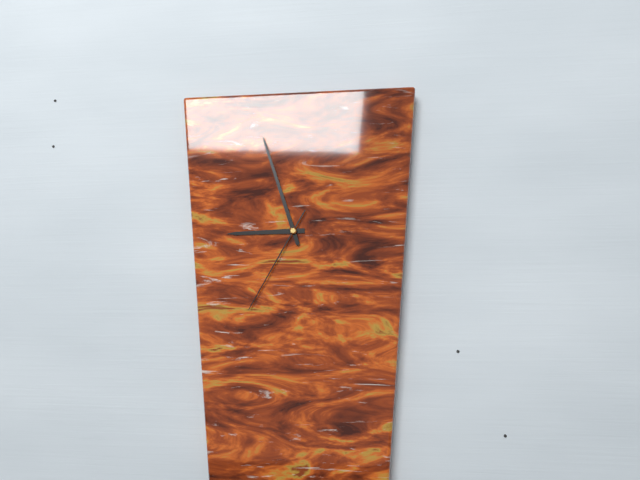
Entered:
8 h 57 min 35 s
